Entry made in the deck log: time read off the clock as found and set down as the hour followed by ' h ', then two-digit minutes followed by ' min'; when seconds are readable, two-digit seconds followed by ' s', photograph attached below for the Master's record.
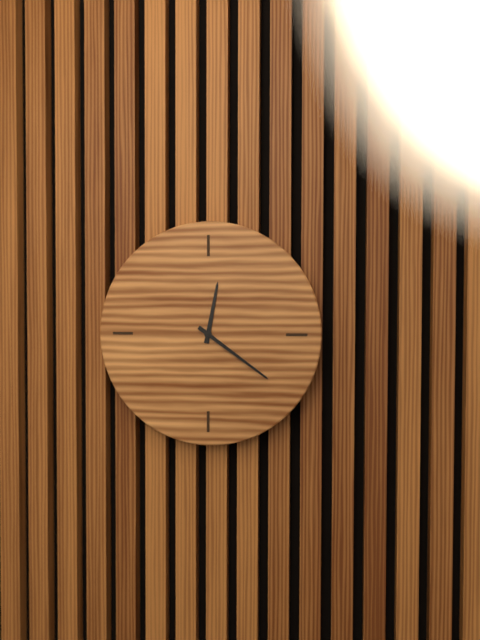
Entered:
12 h 21 min
